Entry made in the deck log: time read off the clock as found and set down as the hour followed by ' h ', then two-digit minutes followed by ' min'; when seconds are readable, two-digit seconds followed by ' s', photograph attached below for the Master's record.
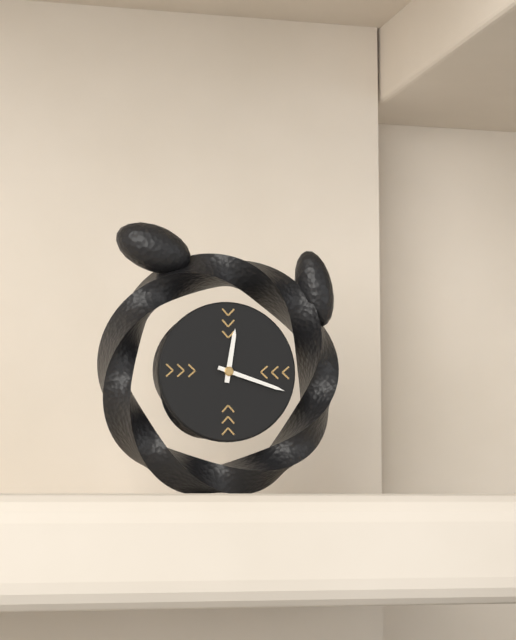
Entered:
12 h 18 min
